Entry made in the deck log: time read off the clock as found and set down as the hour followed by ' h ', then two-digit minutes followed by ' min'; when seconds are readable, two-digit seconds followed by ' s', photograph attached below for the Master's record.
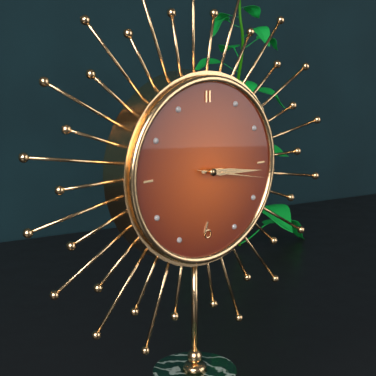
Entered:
3 h 16 min 17 s
